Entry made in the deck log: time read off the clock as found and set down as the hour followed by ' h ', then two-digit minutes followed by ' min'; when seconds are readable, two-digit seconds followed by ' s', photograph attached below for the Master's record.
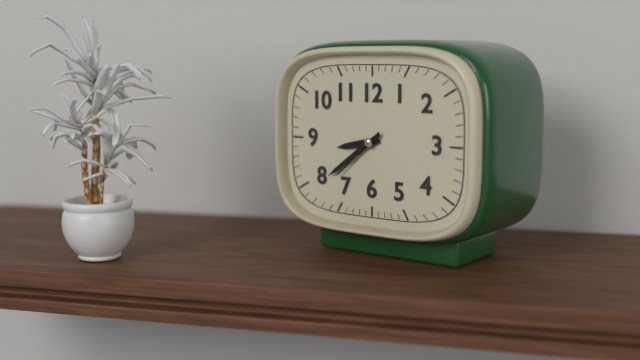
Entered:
8 h 39 min 38 s
